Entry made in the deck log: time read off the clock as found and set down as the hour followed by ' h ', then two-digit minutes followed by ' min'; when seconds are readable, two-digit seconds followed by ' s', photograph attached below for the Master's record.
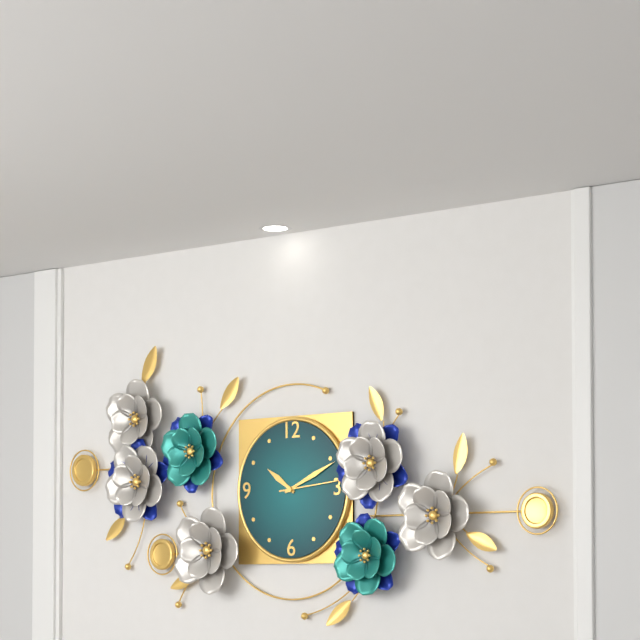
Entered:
10 h 11 min 14 s
